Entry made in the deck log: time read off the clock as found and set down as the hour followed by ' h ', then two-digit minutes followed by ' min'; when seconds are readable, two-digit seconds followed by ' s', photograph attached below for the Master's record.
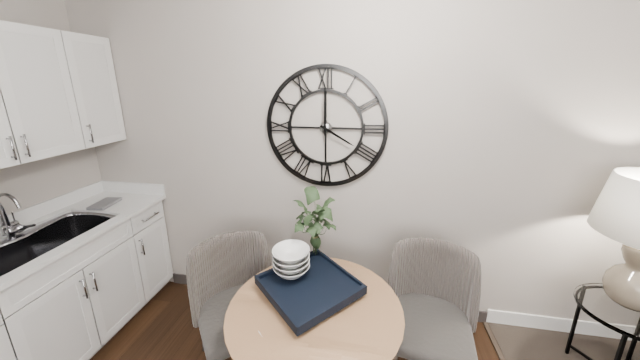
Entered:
4 h 00 min
